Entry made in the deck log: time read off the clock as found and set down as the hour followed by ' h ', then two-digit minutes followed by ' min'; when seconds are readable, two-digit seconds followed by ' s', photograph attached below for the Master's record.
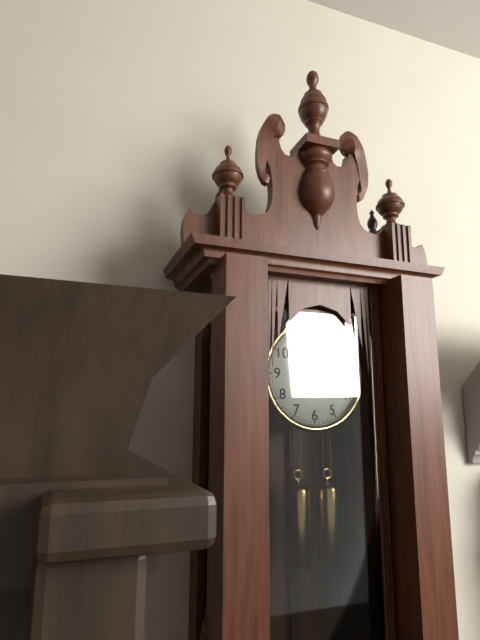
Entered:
4 h 16 min
